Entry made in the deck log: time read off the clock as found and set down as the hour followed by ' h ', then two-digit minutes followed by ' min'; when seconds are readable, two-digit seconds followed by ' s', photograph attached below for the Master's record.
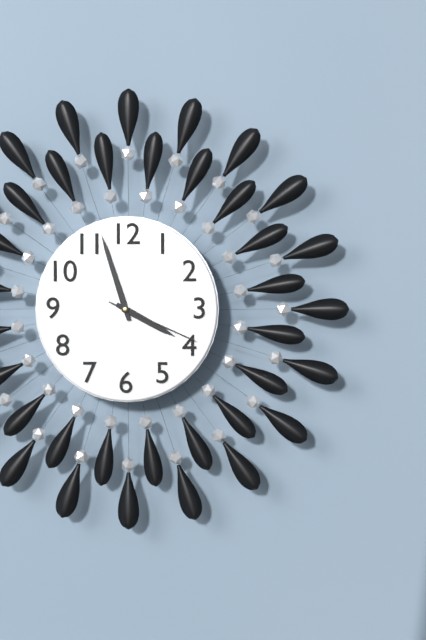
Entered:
3 h 57 min 19 s
